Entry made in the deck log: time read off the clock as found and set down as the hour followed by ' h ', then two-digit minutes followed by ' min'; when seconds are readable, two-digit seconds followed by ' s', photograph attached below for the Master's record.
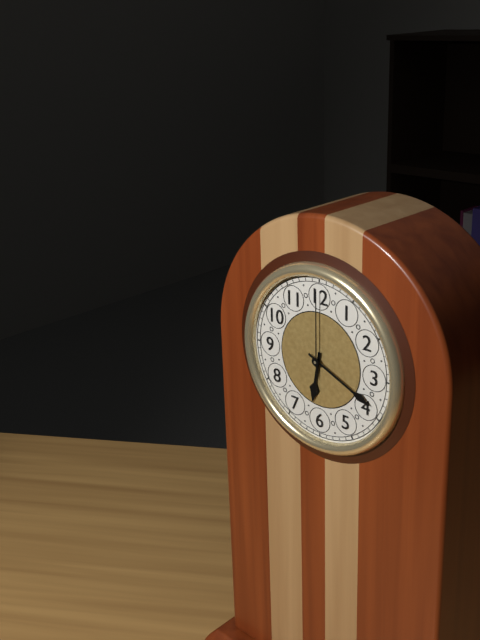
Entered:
6 h 19 min 00 s
